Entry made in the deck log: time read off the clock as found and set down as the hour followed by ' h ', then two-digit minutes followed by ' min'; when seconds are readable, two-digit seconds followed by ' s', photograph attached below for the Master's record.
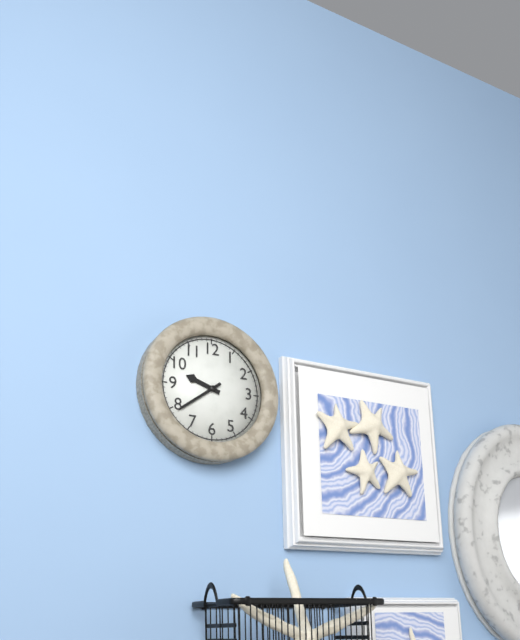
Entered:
9 h 39 min
